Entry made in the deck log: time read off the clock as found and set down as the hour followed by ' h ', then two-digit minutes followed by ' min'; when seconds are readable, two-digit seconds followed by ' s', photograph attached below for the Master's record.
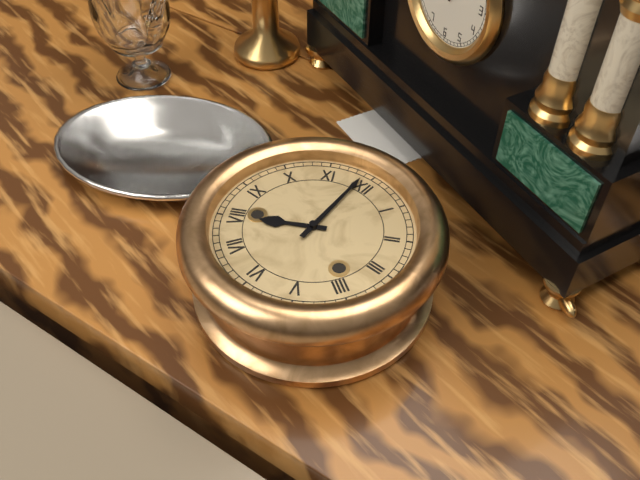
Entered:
7 h 59 min
